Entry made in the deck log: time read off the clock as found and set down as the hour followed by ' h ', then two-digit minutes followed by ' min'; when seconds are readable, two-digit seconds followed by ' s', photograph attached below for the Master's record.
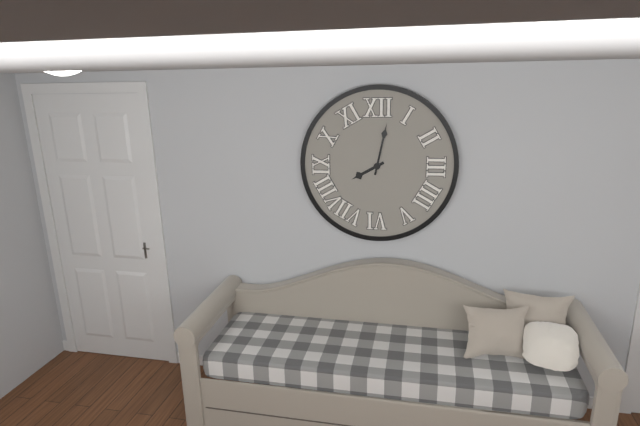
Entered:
8 h 02 min
